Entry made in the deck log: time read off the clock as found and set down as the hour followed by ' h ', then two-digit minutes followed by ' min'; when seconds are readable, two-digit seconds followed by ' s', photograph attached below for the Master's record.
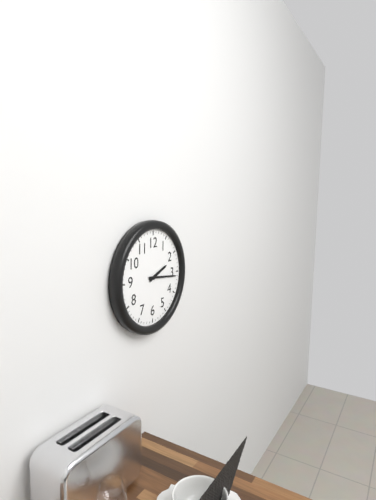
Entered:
2 h 16 min
